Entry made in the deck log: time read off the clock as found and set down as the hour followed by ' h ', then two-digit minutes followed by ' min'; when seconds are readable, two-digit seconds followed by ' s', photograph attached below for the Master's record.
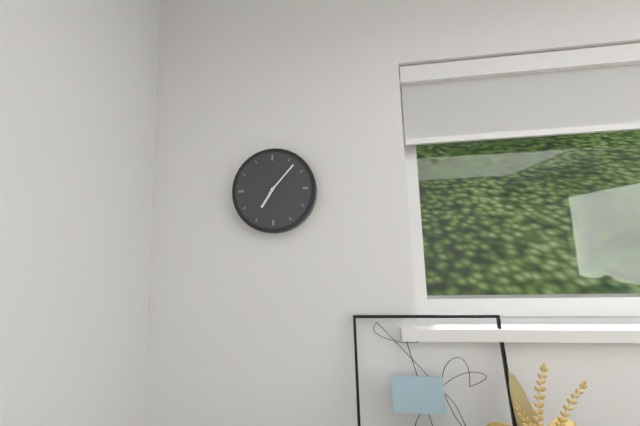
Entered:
7 h 07 min
